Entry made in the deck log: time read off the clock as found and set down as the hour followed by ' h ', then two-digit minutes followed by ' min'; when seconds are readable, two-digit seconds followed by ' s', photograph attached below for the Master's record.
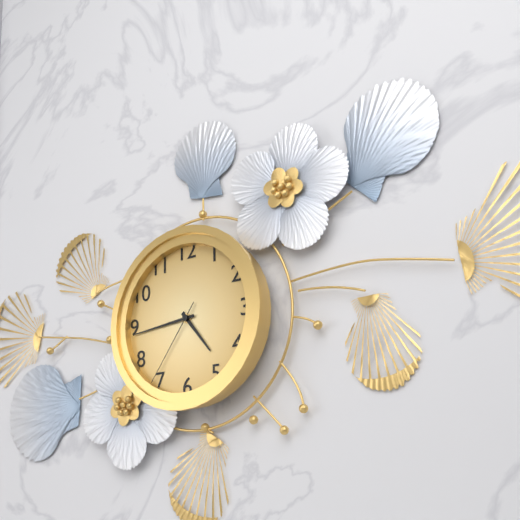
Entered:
4 h 44 min 36 s
